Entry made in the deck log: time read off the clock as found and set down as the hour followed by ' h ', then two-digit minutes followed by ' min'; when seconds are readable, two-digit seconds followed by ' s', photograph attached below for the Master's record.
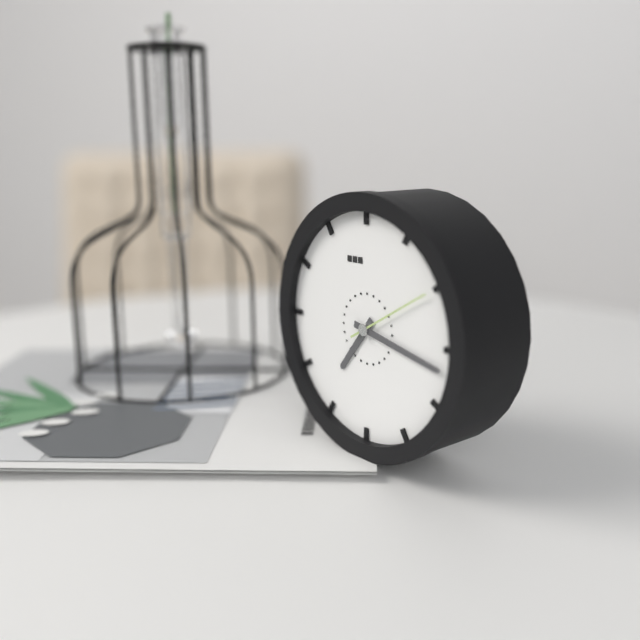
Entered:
7 h 17 min 10 s
